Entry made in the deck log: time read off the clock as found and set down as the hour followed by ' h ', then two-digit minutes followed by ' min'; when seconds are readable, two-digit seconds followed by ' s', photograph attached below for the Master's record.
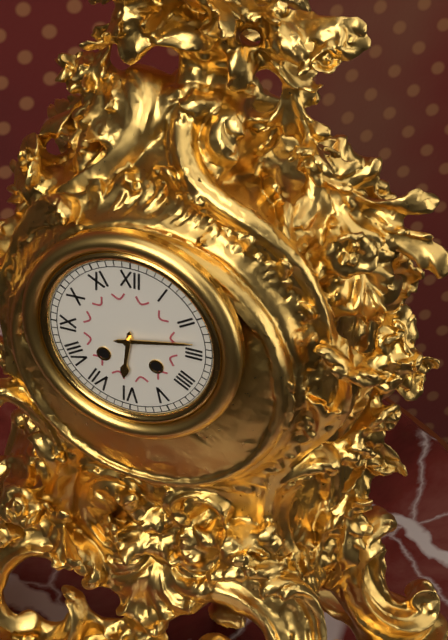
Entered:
6 h 13 min
